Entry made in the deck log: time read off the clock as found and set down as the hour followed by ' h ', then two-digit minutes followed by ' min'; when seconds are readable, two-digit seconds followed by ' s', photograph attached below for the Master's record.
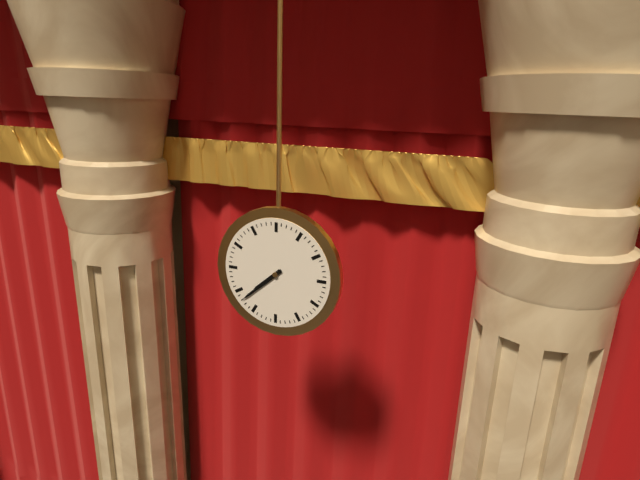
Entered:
7 h 38 min
